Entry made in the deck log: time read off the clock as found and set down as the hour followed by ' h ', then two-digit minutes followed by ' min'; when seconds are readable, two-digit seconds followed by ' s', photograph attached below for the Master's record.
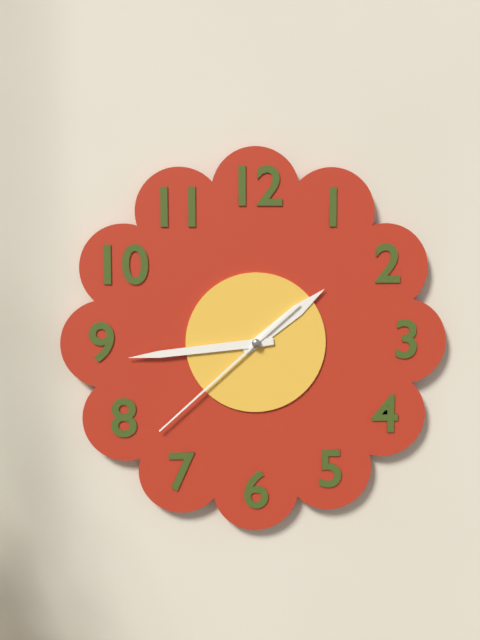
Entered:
1 h 44 min 38 s
